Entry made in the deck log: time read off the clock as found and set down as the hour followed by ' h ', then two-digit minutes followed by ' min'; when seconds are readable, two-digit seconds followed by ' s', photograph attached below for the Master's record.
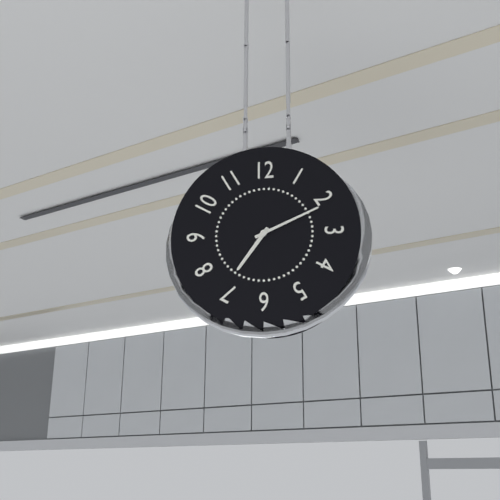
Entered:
7 h 11 min
